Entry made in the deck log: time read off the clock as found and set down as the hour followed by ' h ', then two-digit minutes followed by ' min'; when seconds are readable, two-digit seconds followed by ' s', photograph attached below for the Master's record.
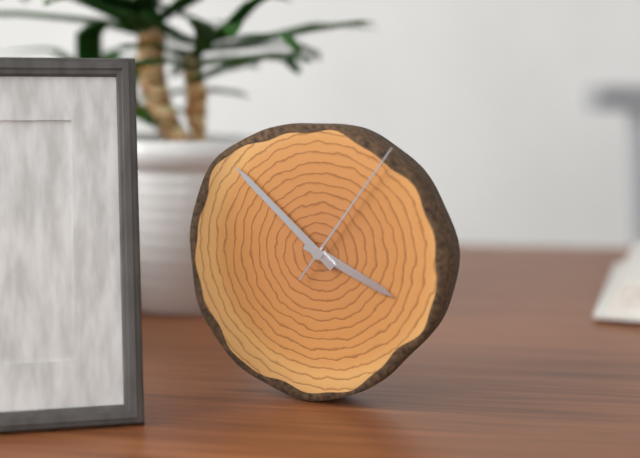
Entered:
3 h 52 min 06 s
